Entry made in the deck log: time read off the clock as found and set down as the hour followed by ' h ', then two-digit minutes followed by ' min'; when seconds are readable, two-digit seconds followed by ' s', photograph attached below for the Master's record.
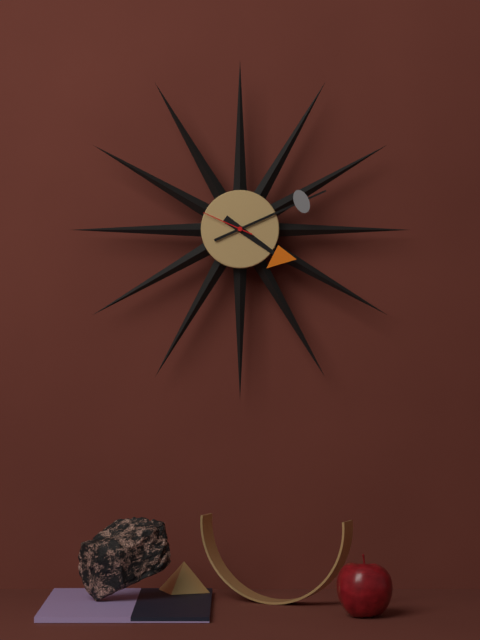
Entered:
4 h 11 min 49 s
